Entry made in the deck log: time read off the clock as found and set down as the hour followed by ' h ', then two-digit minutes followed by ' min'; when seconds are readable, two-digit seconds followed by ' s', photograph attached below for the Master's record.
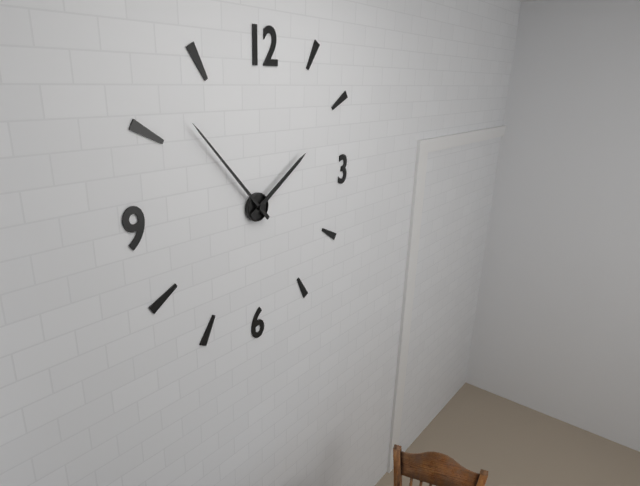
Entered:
1 h 53 min
